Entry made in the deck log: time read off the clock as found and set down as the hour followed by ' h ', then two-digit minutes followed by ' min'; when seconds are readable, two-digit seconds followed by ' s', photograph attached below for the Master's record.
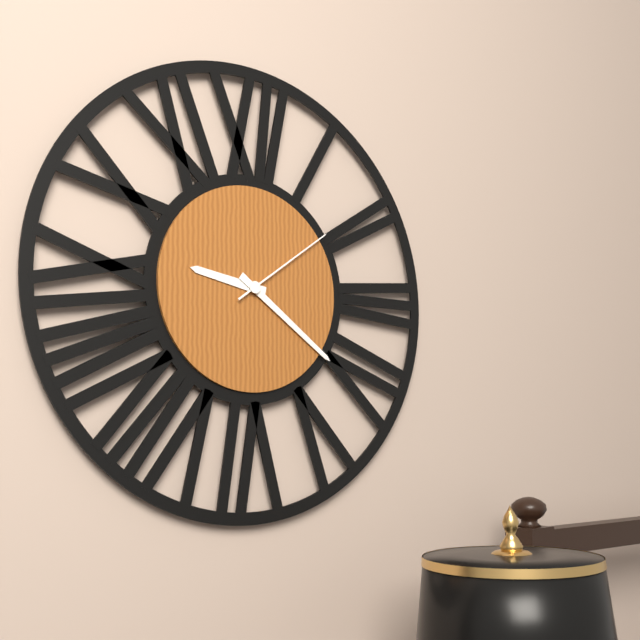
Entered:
9 h 21 min 09 s
